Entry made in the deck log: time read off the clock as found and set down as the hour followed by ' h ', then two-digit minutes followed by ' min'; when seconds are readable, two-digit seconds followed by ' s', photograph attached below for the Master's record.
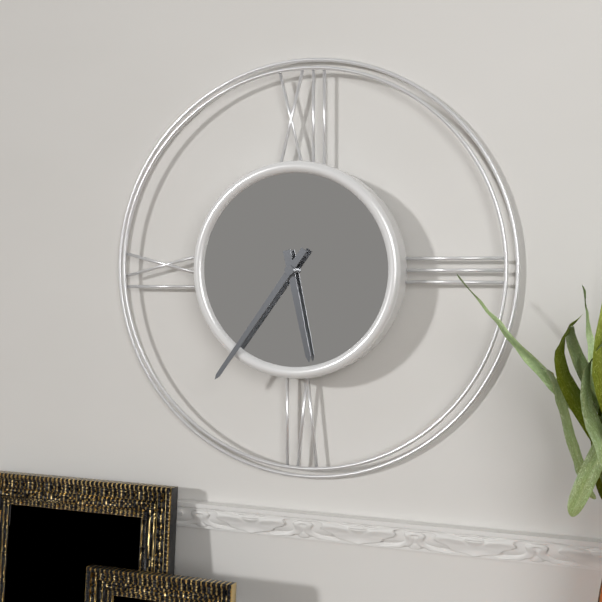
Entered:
5 h 36 min
